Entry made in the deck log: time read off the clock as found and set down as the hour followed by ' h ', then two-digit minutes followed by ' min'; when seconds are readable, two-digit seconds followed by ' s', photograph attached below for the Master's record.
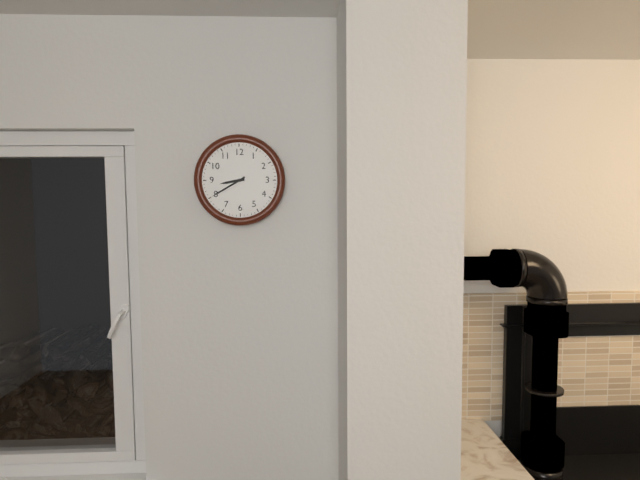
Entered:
8 h 40 min
